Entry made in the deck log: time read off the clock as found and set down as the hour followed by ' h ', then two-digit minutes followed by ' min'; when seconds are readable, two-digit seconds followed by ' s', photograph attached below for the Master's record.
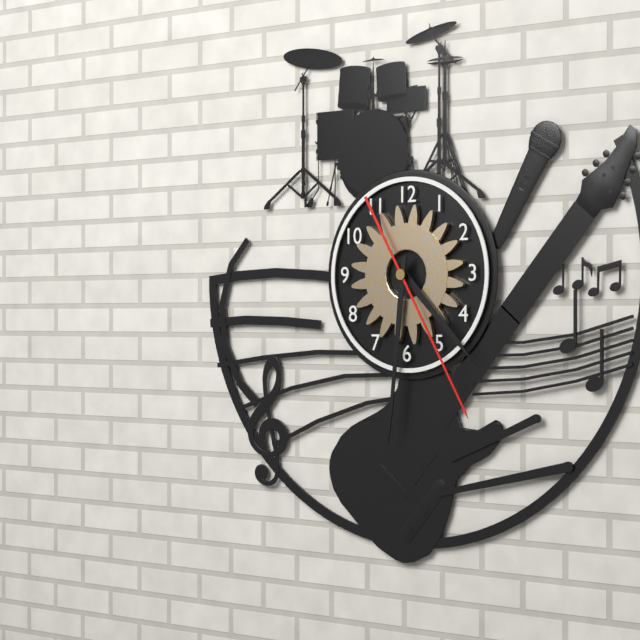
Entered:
4 h 31 min 25 s
